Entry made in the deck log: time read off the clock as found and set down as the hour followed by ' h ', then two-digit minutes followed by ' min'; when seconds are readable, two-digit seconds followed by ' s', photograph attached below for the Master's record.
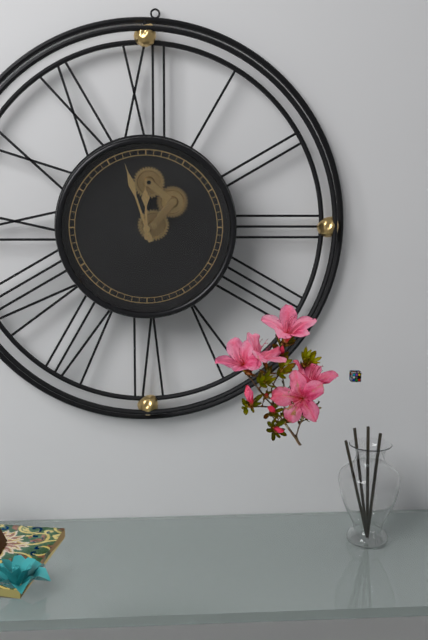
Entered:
11 h 57 min
